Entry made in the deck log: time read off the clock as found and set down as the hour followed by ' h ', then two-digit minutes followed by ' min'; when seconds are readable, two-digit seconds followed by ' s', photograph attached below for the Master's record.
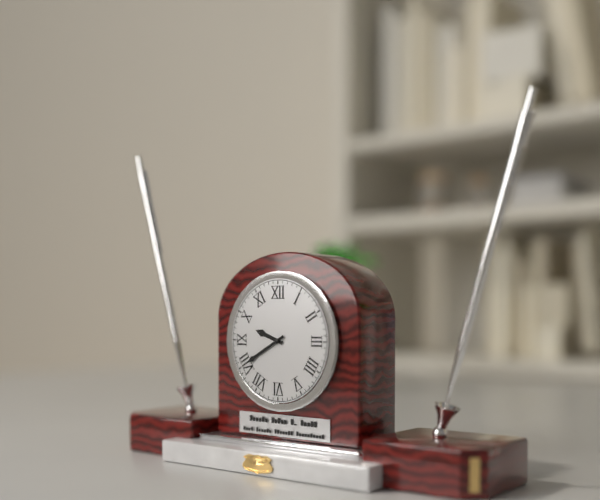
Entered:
9 h 40 min
